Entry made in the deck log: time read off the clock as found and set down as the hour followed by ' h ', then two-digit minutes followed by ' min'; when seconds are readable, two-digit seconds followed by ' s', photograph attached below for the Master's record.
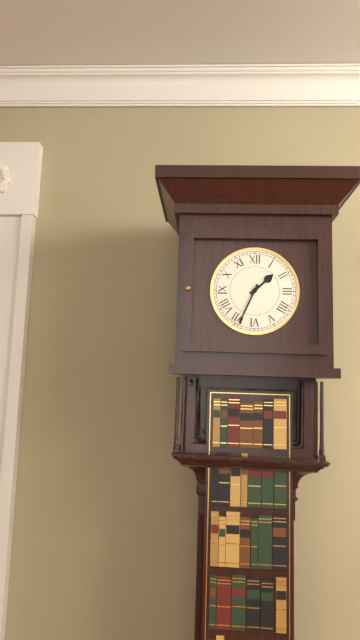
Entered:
1 h 34 min
